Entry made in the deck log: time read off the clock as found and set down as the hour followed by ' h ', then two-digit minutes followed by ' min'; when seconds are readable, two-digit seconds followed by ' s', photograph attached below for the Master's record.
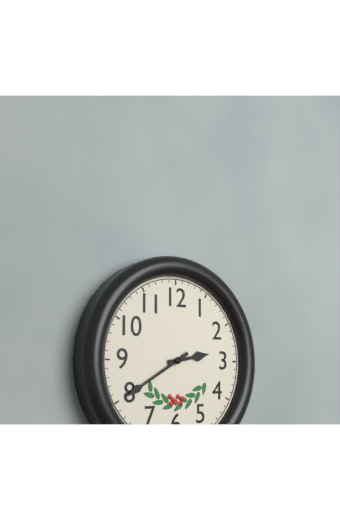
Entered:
2 h 40 min
